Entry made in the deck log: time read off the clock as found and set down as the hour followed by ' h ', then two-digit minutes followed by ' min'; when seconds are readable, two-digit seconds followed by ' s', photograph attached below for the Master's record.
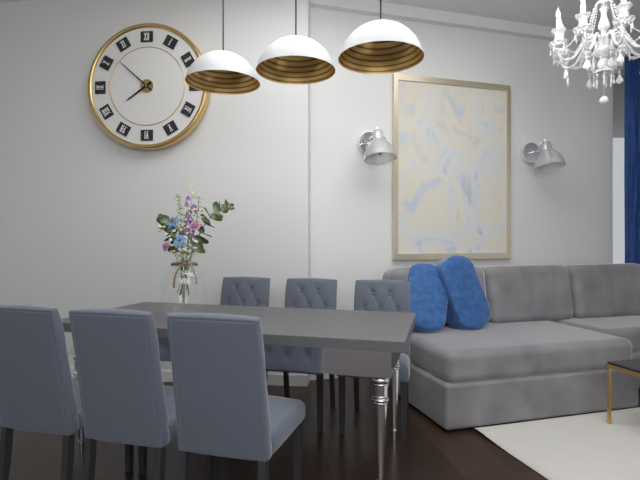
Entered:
7 h 52 min
